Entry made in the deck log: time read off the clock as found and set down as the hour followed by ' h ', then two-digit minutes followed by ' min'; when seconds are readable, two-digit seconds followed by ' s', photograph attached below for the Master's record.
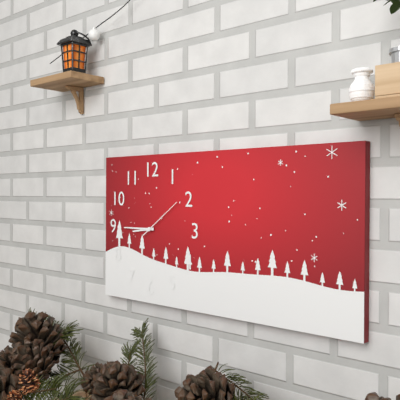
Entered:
8 h 45 min
